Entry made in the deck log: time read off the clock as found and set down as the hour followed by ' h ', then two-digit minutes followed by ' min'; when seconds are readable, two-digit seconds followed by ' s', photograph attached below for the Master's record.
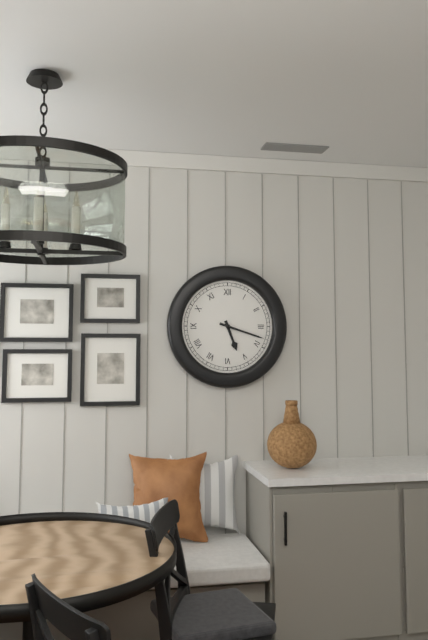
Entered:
5 h 18 min
